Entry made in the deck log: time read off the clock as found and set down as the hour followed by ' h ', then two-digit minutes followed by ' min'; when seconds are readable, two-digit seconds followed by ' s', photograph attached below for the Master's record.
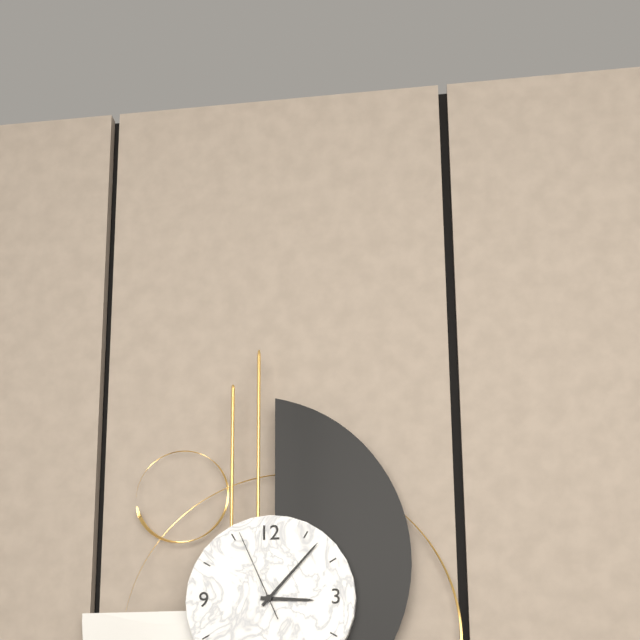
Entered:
3 h 07 min 56 s
